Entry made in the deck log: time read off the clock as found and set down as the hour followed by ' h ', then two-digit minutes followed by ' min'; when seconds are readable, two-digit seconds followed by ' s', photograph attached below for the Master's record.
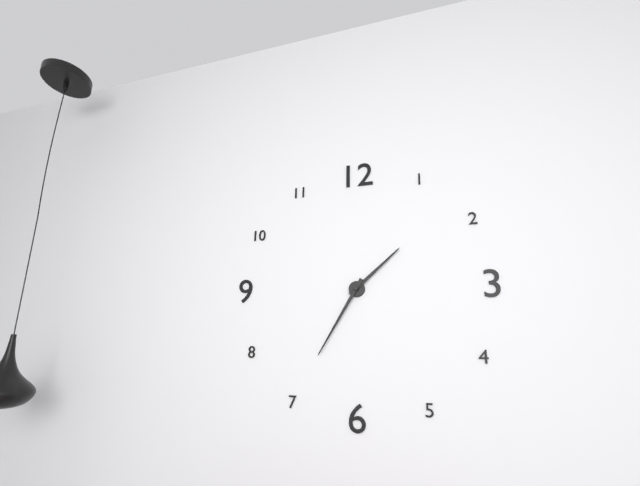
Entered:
1 h 35 min
